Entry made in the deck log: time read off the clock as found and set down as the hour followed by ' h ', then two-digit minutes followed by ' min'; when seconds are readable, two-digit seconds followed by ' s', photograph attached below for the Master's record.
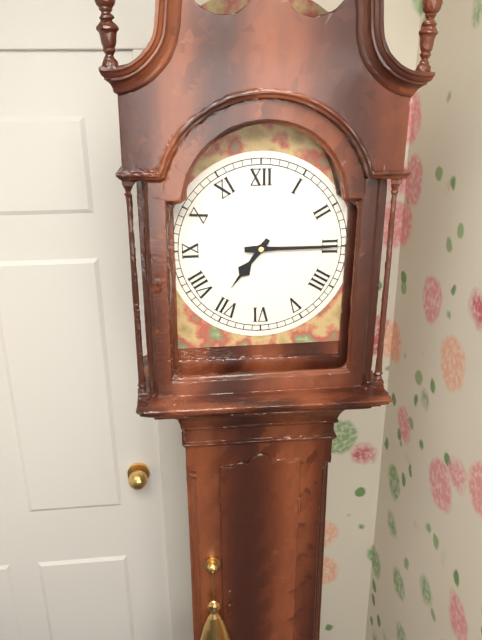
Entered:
7 h 15 min
